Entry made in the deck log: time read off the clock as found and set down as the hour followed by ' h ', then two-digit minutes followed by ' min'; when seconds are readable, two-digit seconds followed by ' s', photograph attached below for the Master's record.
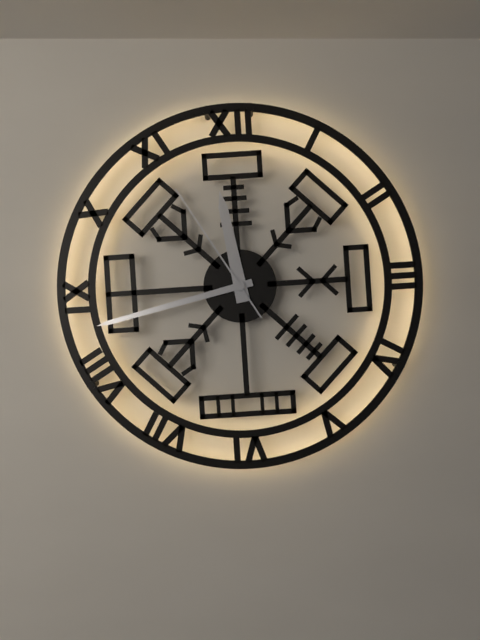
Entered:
11 h 43 min 55 s
